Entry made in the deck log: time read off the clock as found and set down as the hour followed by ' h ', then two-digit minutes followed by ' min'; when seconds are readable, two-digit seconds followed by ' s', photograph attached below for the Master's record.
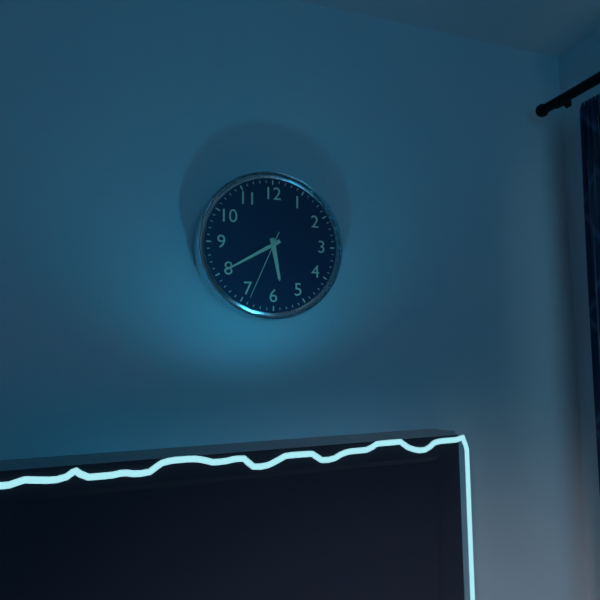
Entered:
5 h 40 min 34 s
